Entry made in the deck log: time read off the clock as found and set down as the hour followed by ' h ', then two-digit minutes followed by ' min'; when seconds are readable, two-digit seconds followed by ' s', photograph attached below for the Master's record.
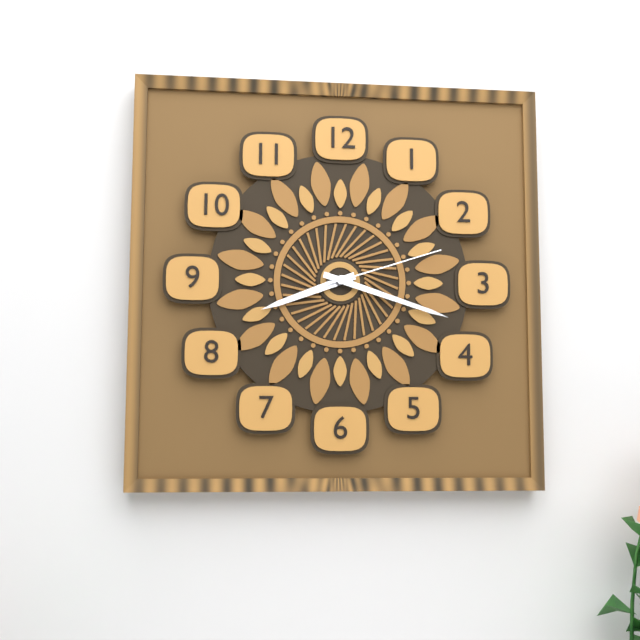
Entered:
8 h 18 min 12 s
